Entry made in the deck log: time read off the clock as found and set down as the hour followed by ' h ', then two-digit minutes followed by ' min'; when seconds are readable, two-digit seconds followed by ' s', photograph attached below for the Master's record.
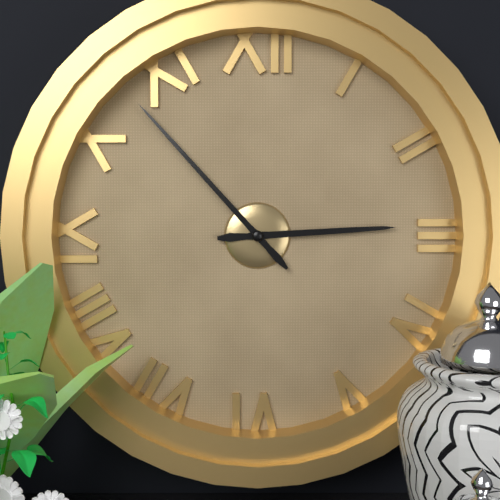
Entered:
2 h 53 min
